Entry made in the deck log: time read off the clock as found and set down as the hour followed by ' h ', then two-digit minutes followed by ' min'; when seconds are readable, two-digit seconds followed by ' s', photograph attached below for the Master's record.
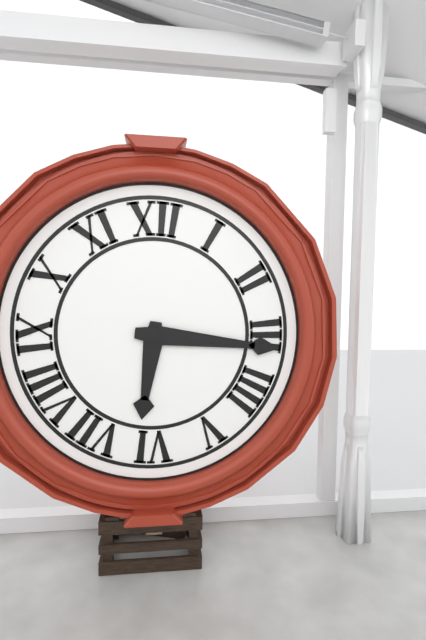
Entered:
6 h 16 min
